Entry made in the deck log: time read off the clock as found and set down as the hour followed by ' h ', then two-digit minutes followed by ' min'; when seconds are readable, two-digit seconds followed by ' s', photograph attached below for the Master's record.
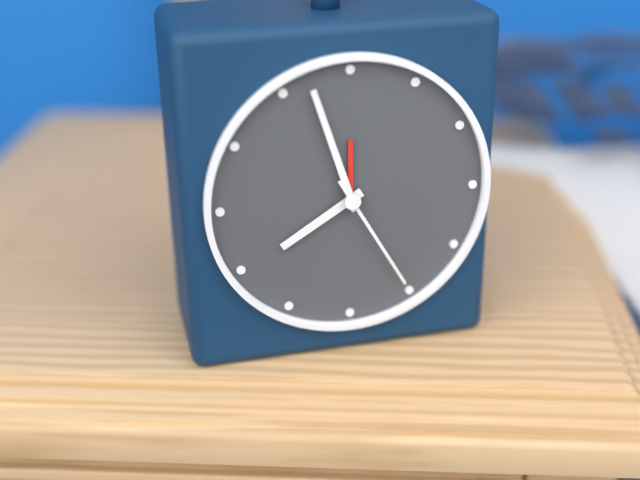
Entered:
7 h 57 min 25 s
